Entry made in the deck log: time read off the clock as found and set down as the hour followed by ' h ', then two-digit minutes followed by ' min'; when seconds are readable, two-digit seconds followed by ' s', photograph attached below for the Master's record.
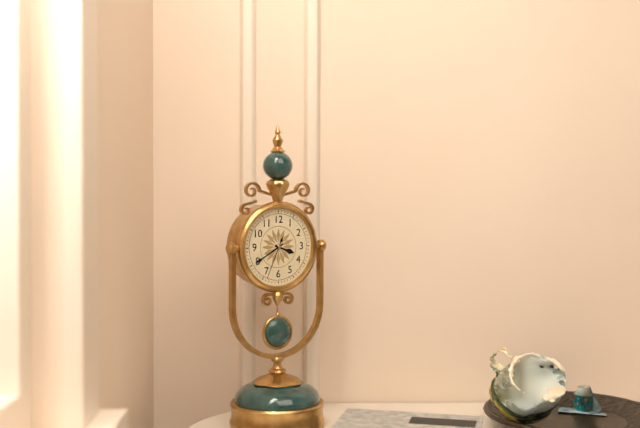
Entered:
3 h 40 min
